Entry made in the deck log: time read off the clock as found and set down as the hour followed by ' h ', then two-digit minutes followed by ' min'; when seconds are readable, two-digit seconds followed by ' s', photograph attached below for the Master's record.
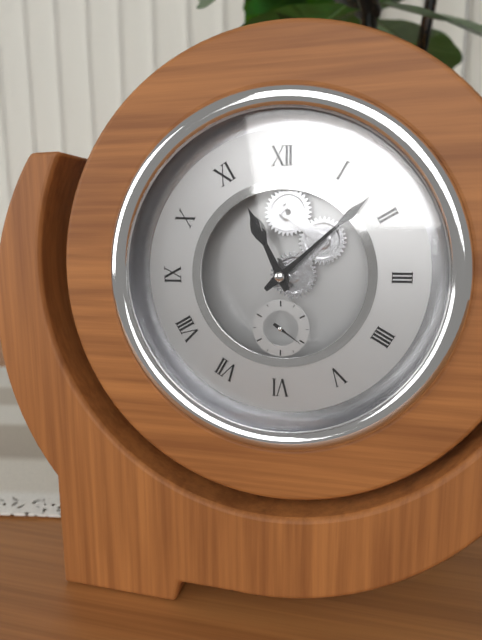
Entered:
11 h 08 min
